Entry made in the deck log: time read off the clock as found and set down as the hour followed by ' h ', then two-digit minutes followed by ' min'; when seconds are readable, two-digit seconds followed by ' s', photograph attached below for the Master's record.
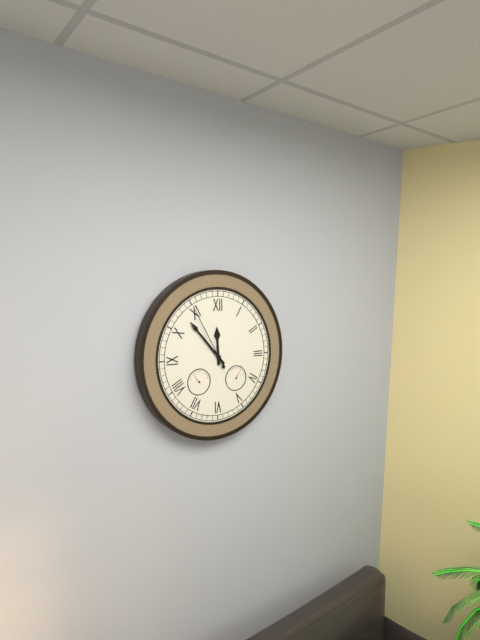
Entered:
11 h 53 min 55 s
